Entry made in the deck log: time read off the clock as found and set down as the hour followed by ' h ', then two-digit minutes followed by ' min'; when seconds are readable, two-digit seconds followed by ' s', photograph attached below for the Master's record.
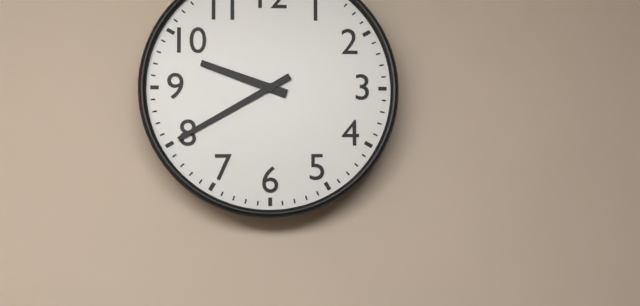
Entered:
9 h 40 min
